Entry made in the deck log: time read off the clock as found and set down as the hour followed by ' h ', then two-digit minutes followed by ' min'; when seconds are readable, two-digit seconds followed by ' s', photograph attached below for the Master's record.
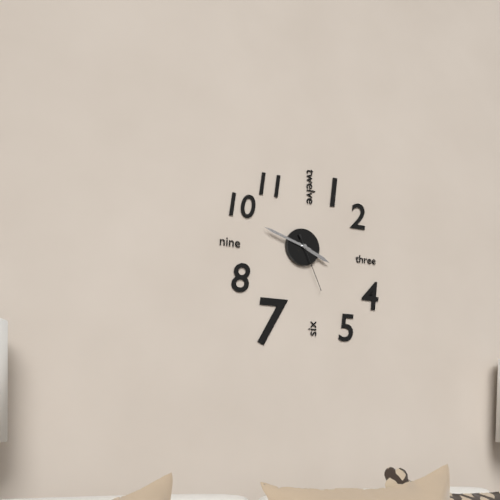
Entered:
3 h 48 min 26 s
